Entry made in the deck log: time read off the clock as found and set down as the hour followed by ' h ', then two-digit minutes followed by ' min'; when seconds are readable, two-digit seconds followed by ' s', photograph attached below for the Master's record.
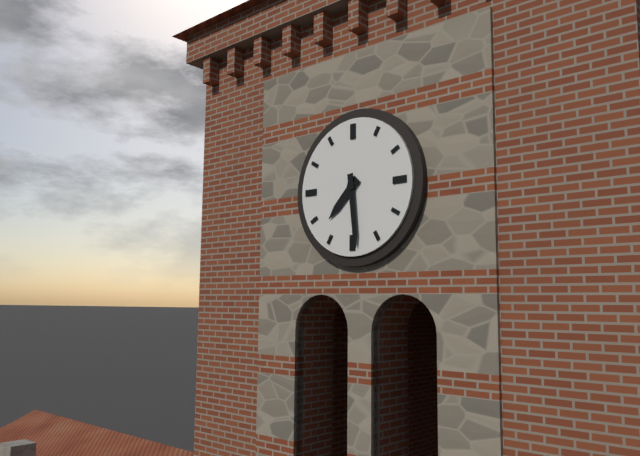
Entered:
7 h 29 min
